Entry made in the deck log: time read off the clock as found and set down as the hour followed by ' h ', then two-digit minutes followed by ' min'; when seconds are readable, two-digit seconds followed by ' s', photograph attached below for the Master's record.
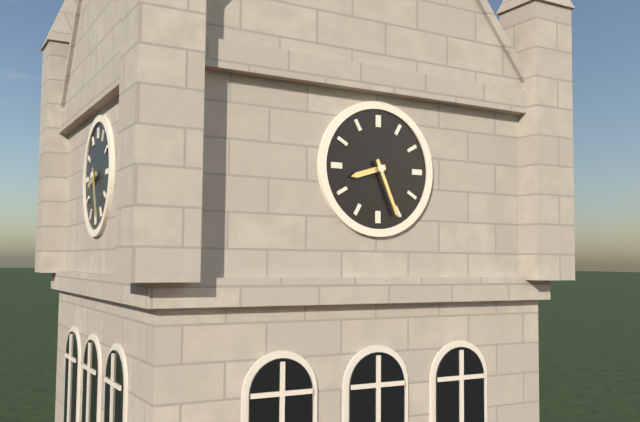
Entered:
8 h 26 min
